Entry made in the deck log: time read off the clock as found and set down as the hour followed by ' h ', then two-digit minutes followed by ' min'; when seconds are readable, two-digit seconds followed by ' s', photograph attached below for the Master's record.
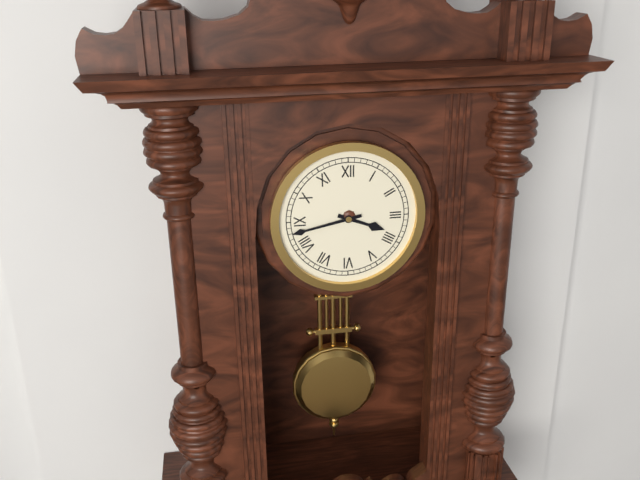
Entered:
3 h 43 min
